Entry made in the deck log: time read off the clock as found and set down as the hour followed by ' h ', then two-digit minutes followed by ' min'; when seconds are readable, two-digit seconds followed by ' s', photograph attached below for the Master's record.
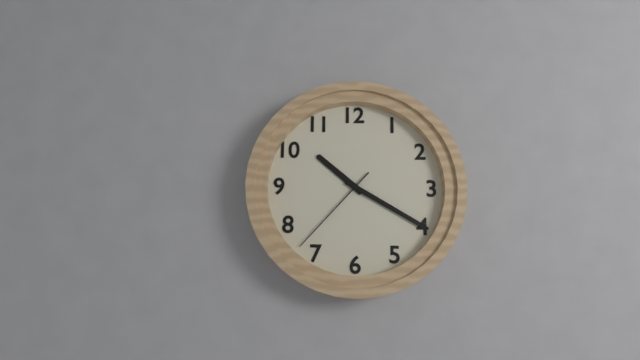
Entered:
10 h 20 min 37 s
